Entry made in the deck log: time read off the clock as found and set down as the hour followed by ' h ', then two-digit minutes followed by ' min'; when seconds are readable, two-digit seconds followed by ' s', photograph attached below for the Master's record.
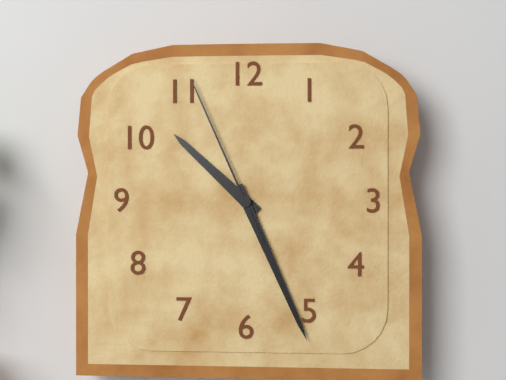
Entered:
10 h 26 min 56 s
